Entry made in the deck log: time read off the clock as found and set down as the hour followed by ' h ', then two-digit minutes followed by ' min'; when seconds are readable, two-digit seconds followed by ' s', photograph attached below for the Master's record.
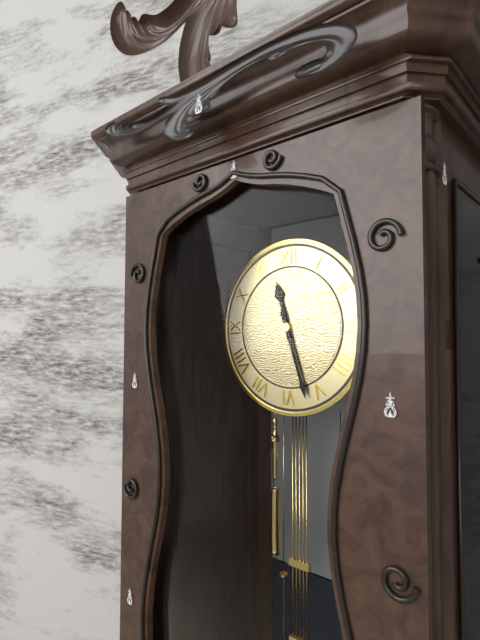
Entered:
11 h 27 min
